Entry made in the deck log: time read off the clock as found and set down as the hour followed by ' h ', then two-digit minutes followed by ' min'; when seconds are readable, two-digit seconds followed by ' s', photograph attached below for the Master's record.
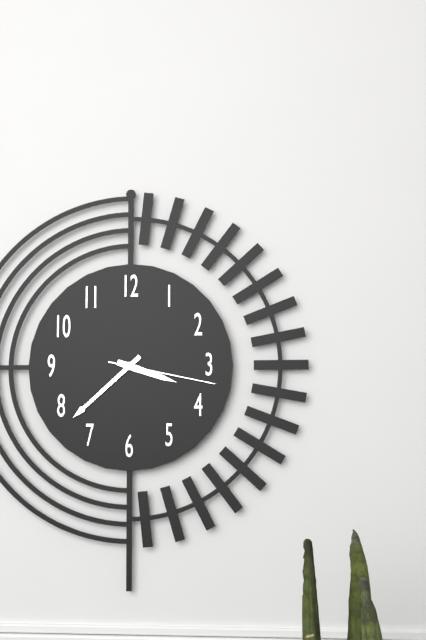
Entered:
3 h 38 min 17 s
